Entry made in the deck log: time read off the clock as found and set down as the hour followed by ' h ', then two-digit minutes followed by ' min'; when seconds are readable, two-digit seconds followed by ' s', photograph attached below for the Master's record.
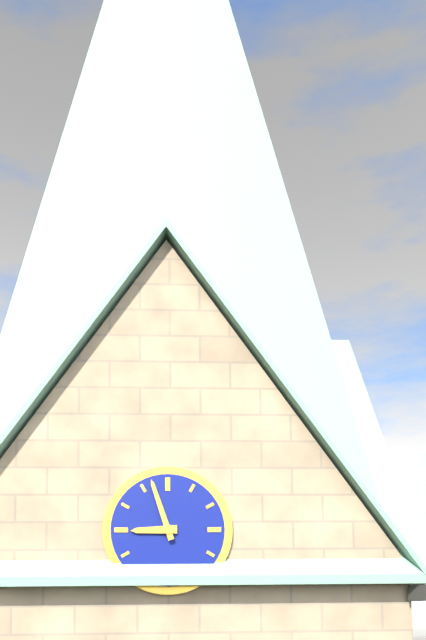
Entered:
8 h 57 min
